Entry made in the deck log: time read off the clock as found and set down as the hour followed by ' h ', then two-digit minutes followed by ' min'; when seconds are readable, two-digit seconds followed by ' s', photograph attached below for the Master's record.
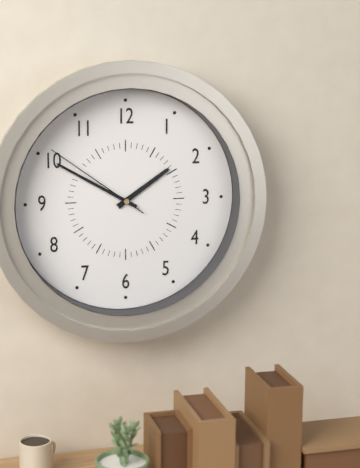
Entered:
1 h 50 min 51 s
